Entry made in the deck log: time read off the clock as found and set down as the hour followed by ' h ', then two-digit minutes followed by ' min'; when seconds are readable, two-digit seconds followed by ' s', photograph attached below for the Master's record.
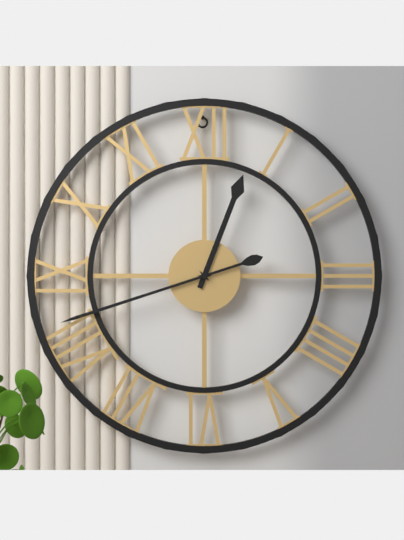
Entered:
12 h 42 min
